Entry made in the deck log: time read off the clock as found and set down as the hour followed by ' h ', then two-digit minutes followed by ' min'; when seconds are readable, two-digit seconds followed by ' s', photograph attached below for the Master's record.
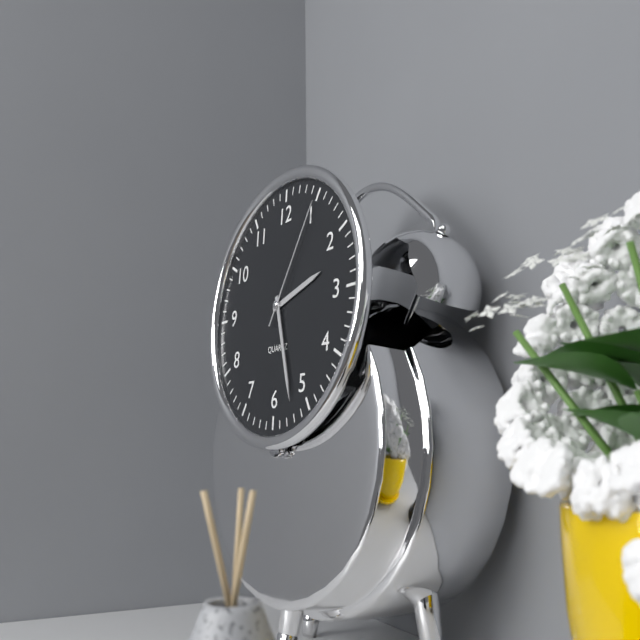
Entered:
2 h 27 min 05 s
